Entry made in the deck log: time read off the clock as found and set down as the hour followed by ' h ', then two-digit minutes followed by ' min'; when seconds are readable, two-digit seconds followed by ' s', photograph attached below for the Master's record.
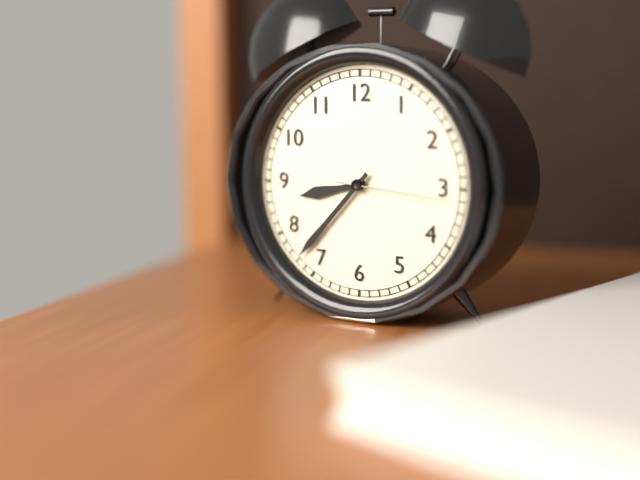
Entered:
8 h 37 min 16 s
